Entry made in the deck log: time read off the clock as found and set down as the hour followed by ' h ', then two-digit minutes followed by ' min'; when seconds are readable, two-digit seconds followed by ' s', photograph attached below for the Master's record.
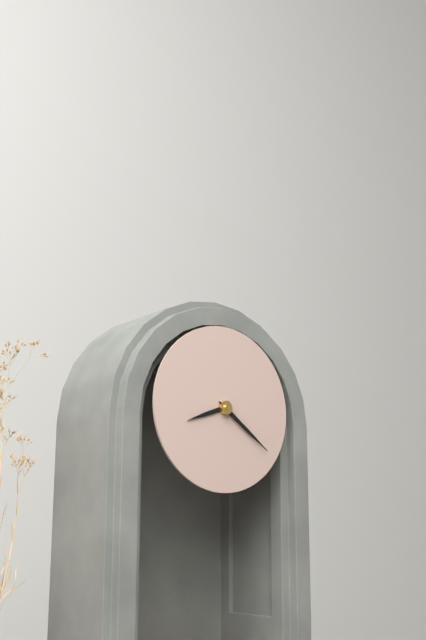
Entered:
8 h 21 min
